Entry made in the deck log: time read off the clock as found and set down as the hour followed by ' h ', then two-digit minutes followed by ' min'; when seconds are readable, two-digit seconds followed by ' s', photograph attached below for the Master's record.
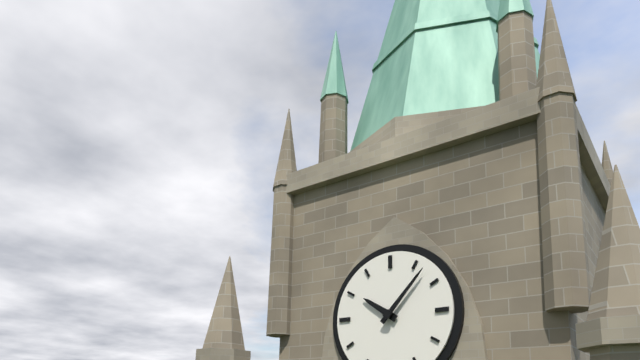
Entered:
10 h 07 min
